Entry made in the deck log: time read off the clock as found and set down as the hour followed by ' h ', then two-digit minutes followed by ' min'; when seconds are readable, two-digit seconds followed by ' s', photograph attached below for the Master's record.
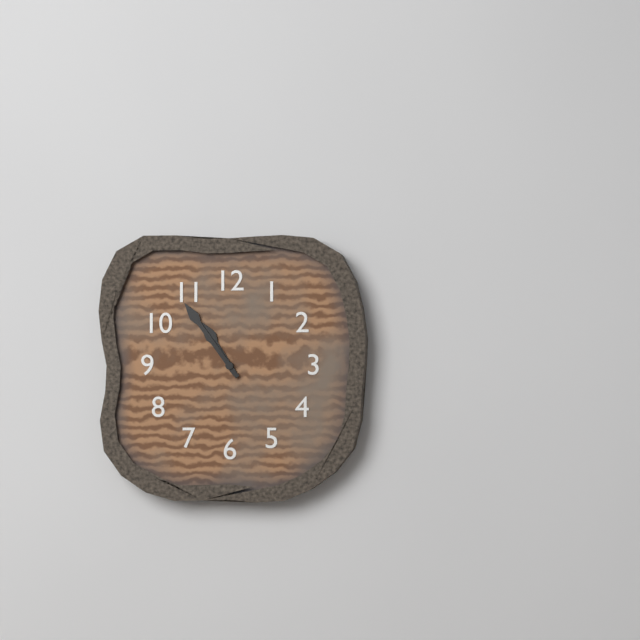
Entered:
10 h 54 min
